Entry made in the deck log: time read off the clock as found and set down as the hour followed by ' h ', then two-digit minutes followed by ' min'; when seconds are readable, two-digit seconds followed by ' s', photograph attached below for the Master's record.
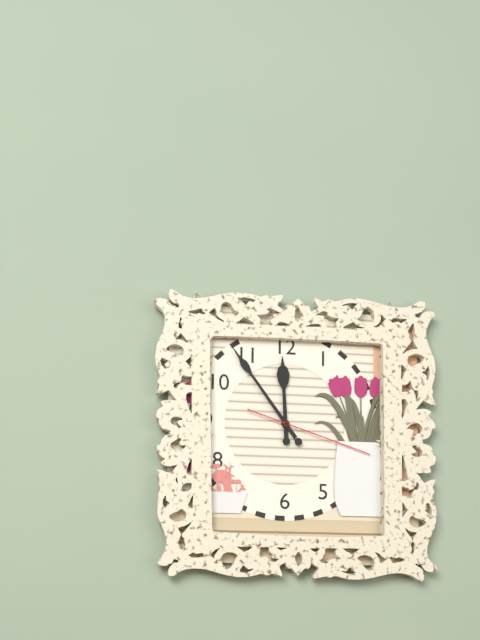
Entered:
11 h 54 min 18 s
